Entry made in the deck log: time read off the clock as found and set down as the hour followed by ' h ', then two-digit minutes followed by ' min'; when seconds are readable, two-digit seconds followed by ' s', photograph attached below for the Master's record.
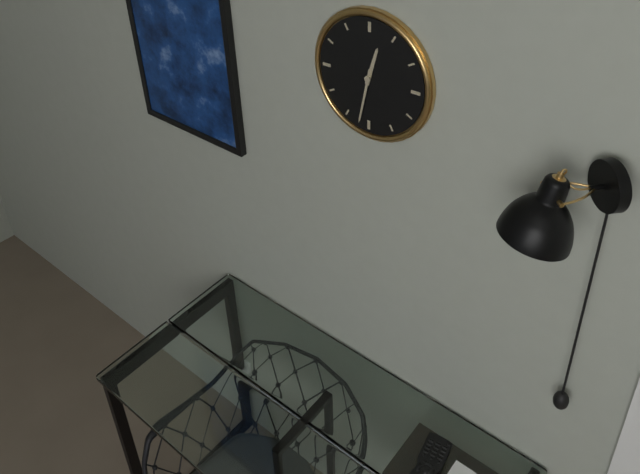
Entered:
12 h 32 min
